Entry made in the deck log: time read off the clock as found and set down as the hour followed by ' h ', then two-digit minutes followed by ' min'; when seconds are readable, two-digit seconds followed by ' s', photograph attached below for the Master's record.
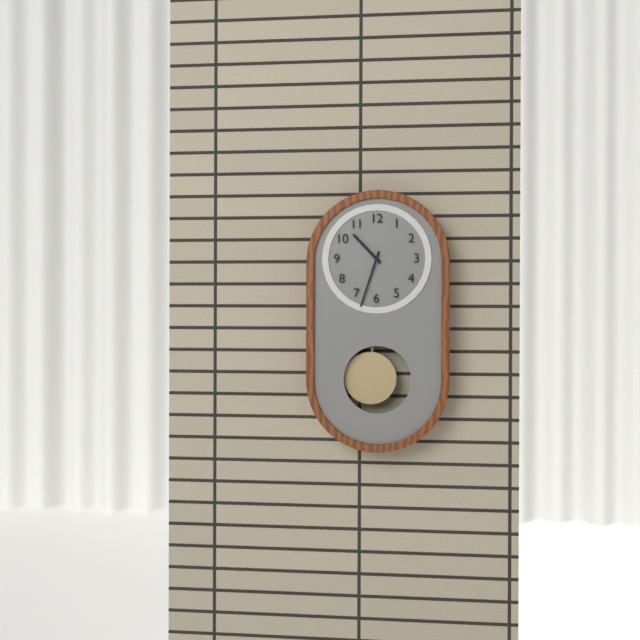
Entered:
10 h 33 min
